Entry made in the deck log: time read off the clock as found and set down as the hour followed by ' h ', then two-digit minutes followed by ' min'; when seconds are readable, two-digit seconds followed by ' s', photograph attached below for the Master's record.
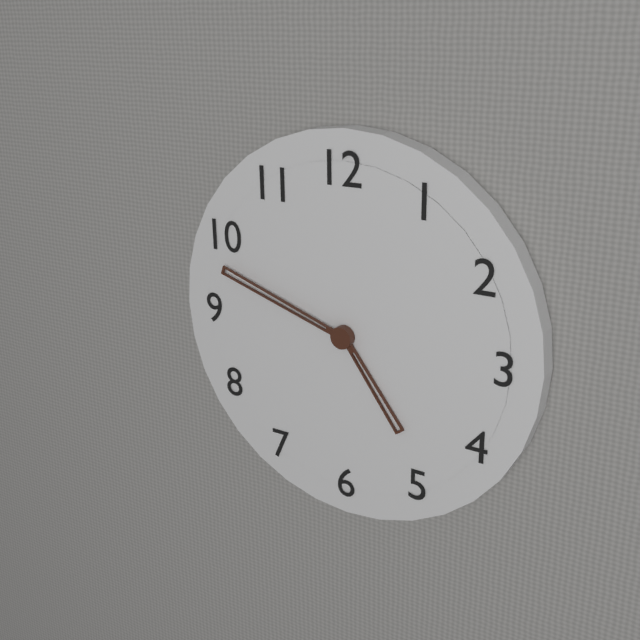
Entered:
4 h 48 min
